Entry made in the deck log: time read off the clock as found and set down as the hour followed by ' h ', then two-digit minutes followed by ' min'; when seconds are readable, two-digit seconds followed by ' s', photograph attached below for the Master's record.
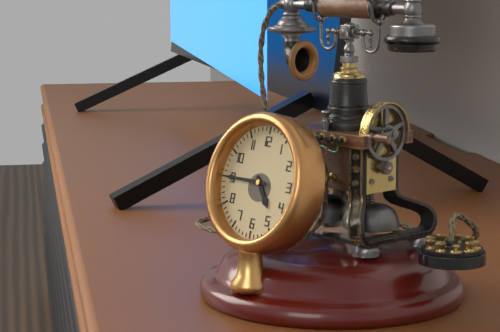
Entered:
4 h 45 min
